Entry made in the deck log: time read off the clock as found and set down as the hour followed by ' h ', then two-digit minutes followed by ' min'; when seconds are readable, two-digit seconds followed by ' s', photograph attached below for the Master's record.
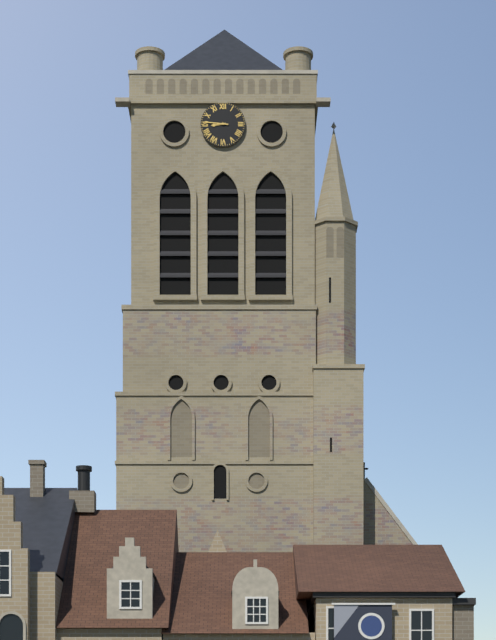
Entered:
8 h 46 min
